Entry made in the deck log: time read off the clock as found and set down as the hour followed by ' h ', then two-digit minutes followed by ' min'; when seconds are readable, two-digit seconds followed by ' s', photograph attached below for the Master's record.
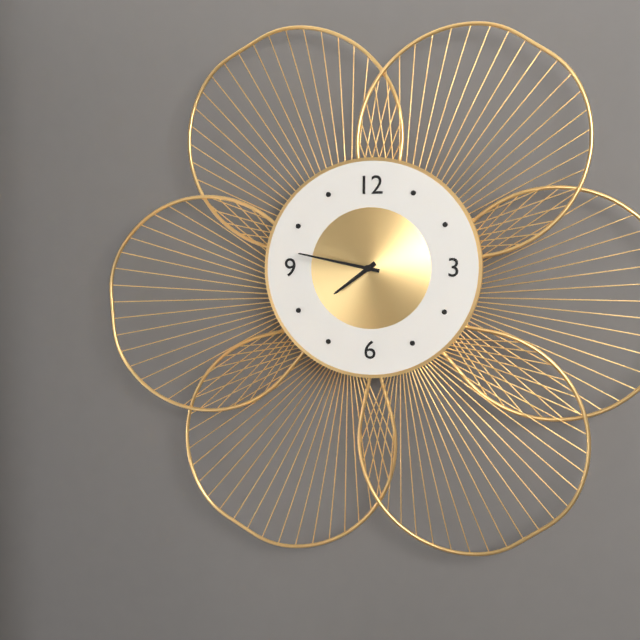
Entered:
7 h 47 min
